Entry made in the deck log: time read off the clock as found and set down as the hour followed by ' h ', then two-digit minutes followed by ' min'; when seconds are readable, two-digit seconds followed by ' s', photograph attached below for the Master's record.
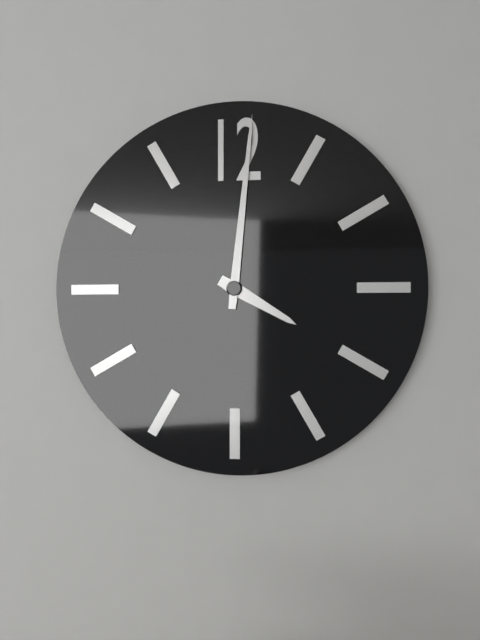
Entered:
4 h 01 min
